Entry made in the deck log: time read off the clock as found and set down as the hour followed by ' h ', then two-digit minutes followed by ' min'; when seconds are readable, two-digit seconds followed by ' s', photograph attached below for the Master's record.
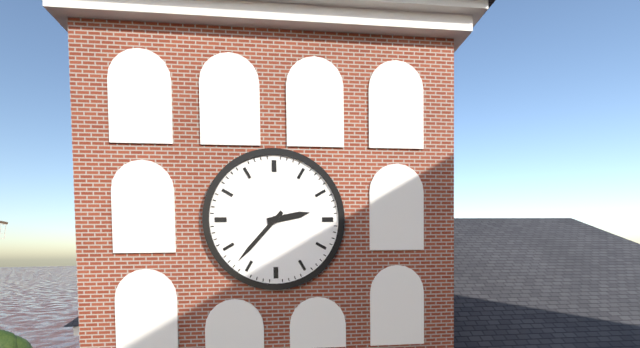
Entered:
2 h 37 min
